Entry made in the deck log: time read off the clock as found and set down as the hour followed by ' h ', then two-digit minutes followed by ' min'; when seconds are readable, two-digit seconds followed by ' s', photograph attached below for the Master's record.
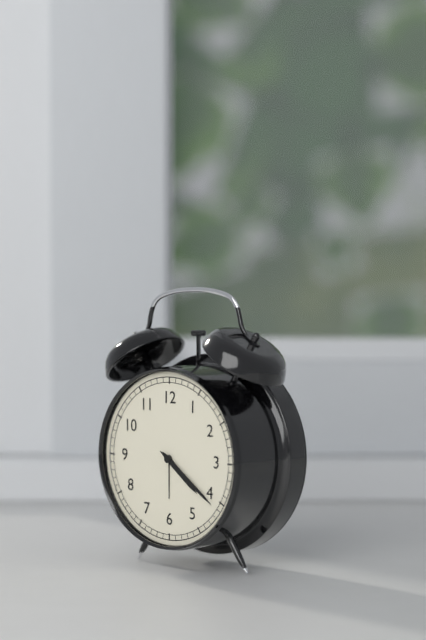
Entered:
4 h 21 min
